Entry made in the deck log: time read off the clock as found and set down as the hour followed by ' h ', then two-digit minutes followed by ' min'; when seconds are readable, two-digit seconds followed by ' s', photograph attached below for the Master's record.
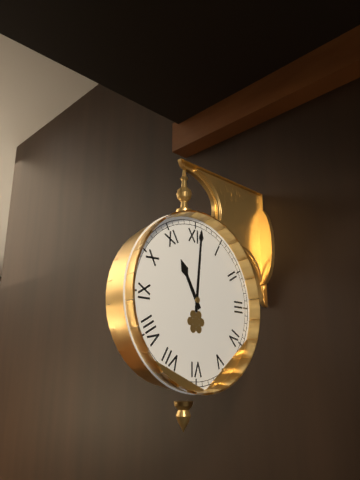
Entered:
11 h 01 min
